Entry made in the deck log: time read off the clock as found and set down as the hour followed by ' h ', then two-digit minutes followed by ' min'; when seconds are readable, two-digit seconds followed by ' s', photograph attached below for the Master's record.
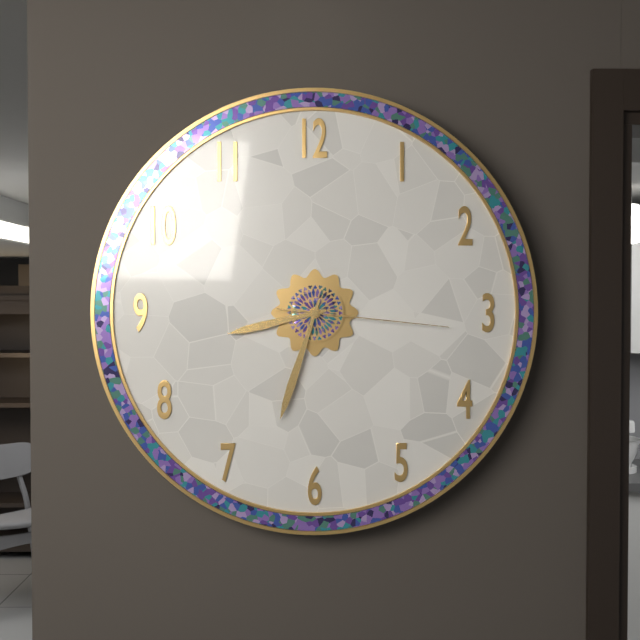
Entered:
8 h 33 min 16 s
